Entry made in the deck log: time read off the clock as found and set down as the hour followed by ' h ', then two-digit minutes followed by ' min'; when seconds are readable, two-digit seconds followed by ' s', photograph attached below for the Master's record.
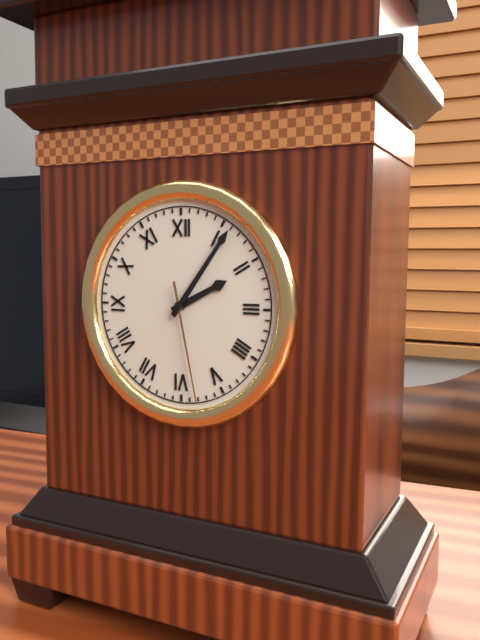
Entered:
2 h 06 min 28 s
